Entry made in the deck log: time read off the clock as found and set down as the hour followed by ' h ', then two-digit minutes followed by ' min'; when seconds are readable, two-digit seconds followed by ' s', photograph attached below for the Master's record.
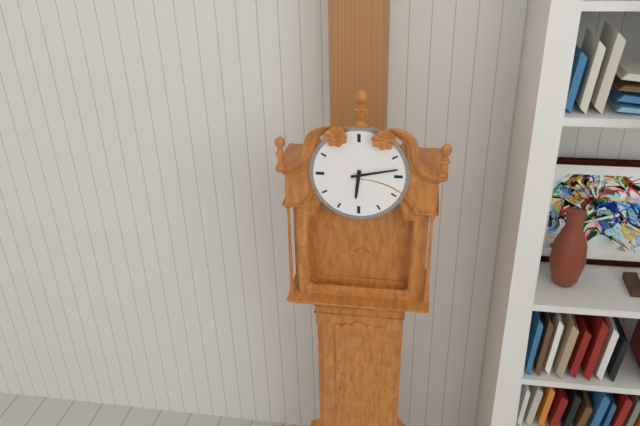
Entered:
6 h 13 min
